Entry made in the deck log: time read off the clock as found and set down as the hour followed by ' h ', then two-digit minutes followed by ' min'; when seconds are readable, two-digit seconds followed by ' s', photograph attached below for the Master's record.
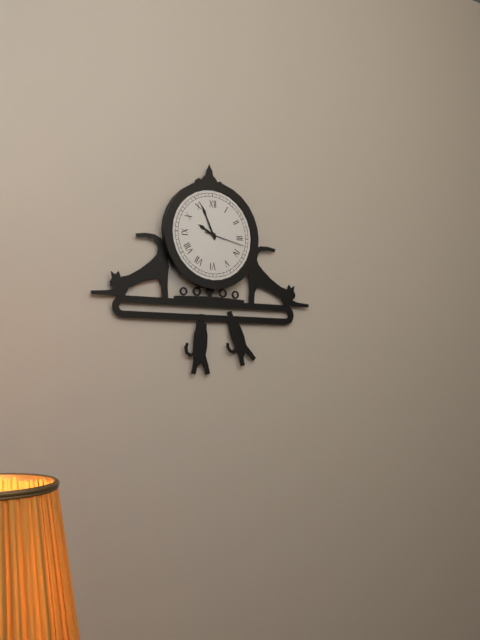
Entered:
9 h 56 min
